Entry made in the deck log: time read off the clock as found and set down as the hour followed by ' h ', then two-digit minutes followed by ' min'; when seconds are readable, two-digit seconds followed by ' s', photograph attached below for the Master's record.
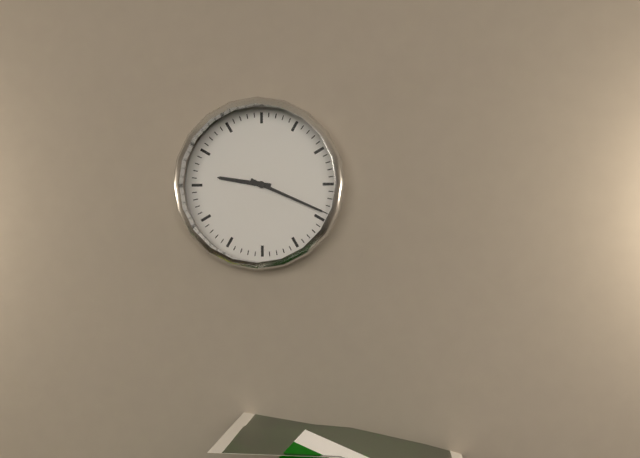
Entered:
9 h 19 min
